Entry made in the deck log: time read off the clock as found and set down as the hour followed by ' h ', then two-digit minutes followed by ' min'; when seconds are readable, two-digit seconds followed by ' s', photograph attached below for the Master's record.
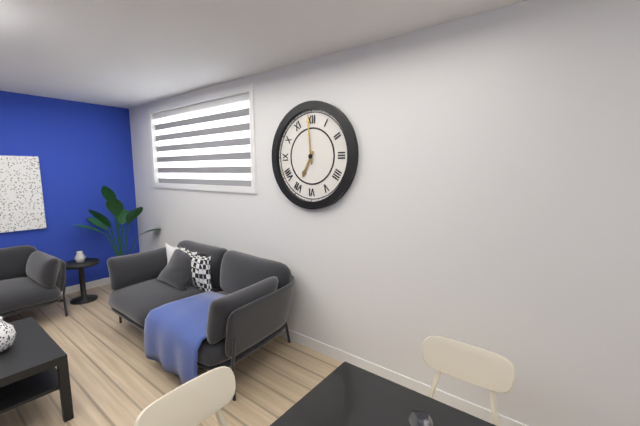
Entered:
6 h 59 min
